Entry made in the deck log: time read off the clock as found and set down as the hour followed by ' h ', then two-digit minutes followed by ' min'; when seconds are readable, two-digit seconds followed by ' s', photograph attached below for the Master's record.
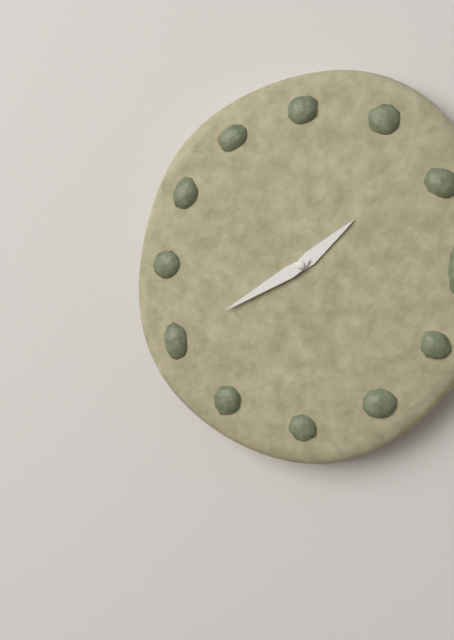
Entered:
1 h 40 min
